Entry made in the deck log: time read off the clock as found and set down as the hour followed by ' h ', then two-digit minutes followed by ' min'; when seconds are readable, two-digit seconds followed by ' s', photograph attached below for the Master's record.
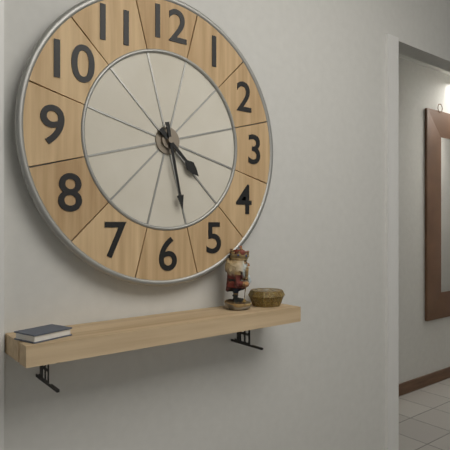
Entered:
4 h 28 min
